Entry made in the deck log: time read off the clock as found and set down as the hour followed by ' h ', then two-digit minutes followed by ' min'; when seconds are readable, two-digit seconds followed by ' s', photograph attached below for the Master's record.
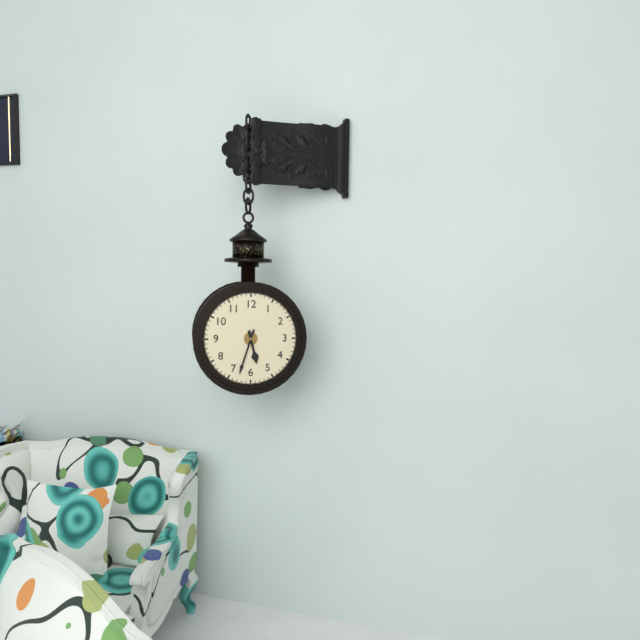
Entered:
5 h 33 min
